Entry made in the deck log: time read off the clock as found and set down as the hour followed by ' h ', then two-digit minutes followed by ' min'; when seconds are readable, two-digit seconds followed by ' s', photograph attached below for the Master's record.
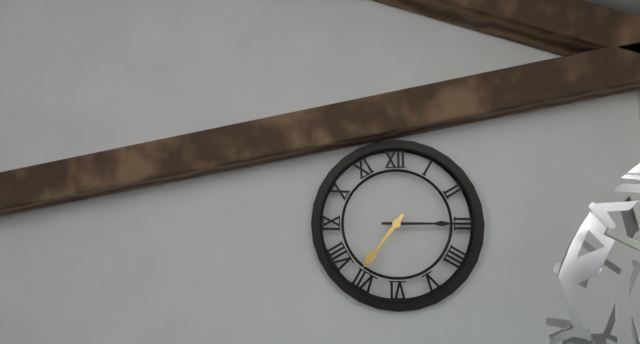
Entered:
7 h 15 min
